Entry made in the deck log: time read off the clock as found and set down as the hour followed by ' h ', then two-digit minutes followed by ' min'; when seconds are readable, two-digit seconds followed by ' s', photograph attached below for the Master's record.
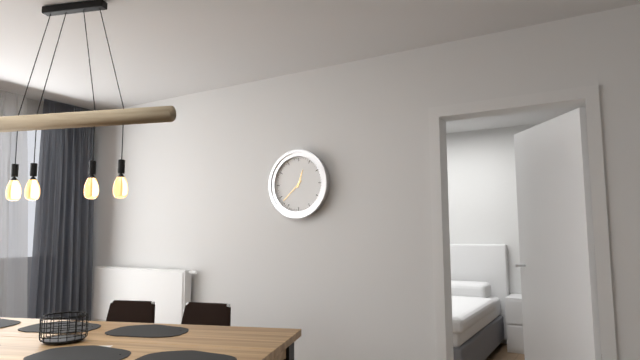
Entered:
12 h 38 min
